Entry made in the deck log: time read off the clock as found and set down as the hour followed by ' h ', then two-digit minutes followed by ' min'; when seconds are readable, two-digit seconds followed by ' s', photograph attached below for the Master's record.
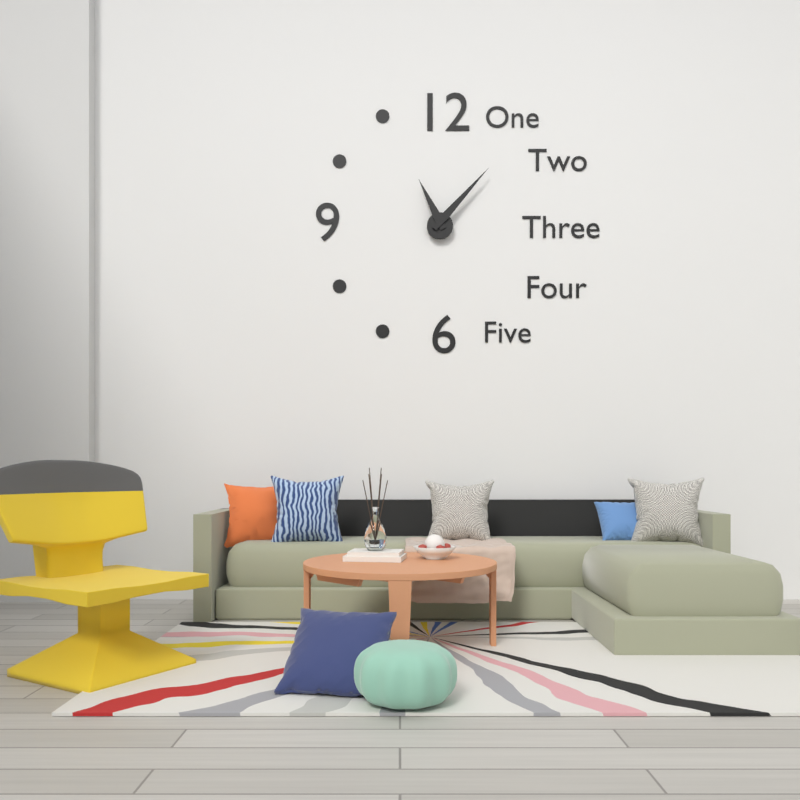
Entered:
11 h 07 min
